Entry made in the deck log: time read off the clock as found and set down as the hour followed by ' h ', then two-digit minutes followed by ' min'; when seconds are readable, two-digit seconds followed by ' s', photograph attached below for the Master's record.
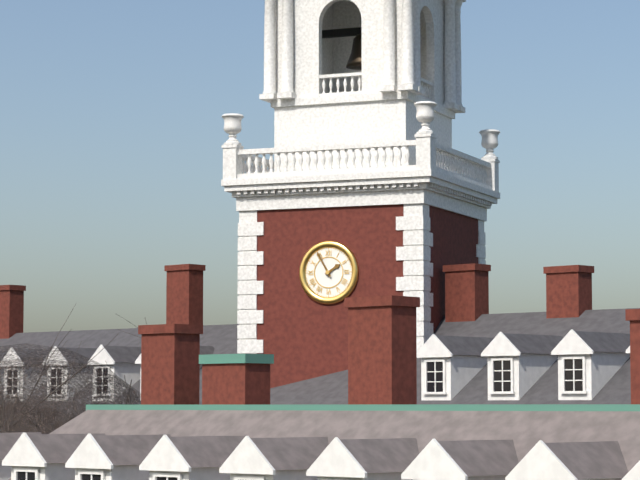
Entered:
1 h 55 min
